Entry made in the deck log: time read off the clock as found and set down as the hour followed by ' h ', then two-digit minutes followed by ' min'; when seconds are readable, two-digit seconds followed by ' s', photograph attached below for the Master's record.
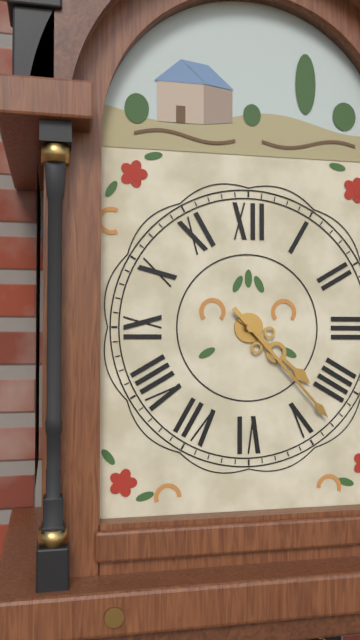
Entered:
4 h 23 min
